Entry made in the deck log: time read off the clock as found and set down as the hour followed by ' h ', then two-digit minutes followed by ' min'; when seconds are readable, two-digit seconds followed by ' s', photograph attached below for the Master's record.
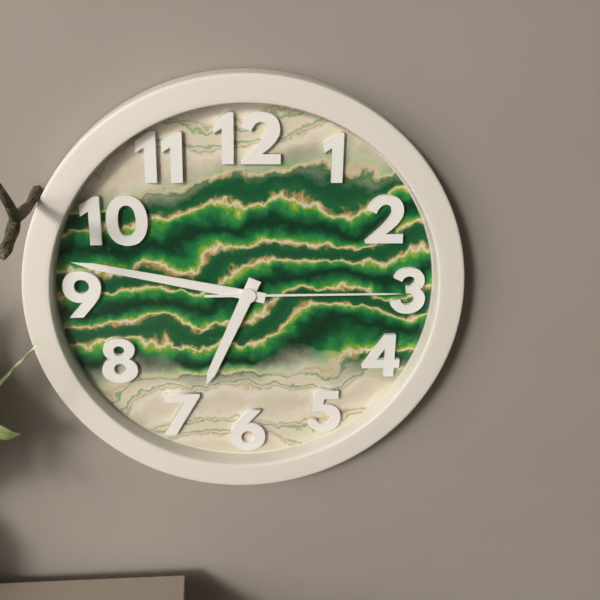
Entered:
6 h 47 min 15 s
